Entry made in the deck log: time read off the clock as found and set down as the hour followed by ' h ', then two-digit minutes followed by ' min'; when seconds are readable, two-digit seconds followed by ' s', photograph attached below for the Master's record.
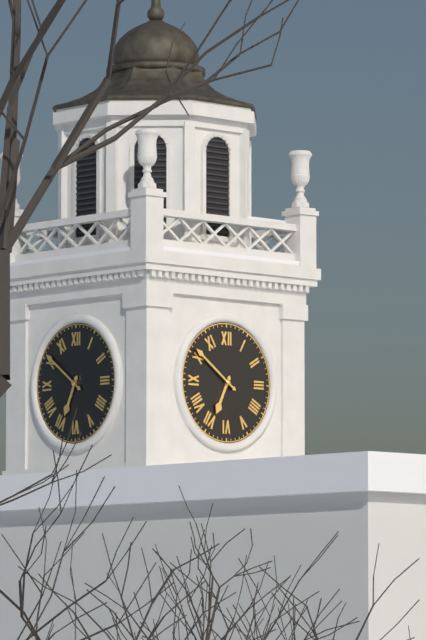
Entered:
6 h 51 min
